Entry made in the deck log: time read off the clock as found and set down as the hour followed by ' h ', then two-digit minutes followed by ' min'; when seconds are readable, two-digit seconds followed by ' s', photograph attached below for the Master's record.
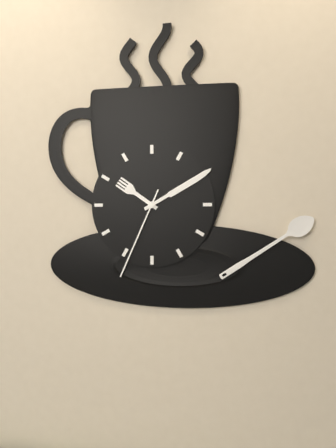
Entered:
10 h 10 min 34 s
